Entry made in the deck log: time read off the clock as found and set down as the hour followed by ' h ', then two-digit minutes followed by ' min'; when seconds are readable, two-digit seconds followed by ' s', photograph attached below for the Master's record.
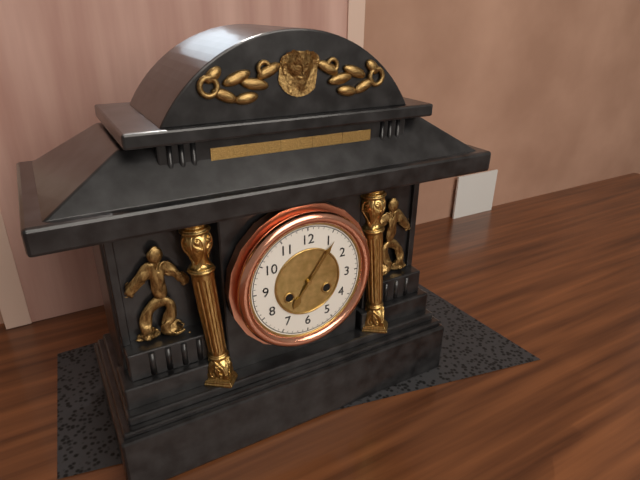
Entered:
7 h 06 min
